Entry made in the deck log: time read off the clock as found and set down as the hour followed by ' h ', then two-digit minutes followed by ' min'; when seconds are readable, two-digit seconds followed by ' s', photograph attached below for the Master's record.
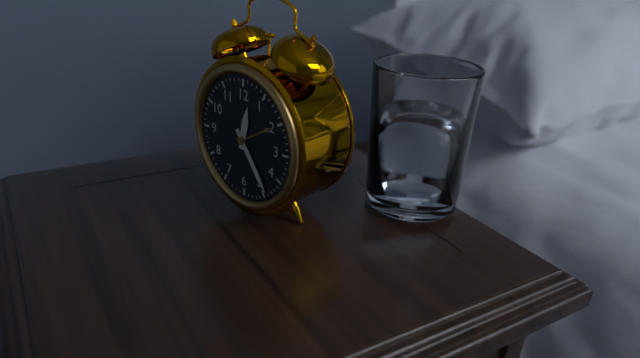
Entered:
12 h 24 min
